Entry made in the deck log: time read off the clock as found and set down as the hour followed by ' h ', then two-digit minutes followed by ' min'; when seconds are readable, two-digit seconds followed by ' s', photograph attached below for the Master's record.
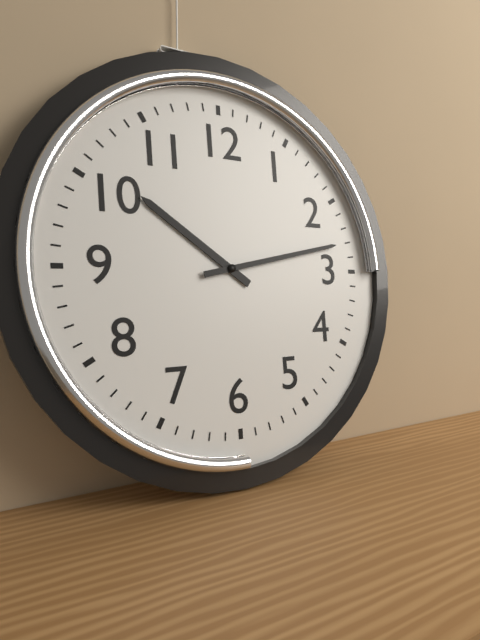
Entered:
10 h 13 min
